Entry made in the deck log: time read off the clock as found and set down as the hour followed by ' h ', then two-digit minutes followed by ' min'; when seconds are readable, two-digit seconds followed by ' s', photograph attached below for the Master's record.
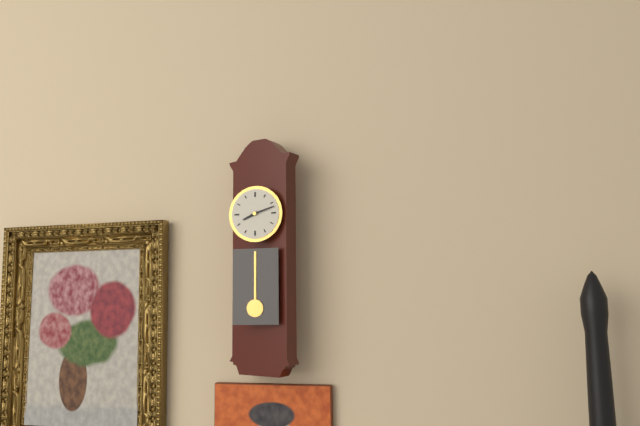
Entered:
8 h 12 min
